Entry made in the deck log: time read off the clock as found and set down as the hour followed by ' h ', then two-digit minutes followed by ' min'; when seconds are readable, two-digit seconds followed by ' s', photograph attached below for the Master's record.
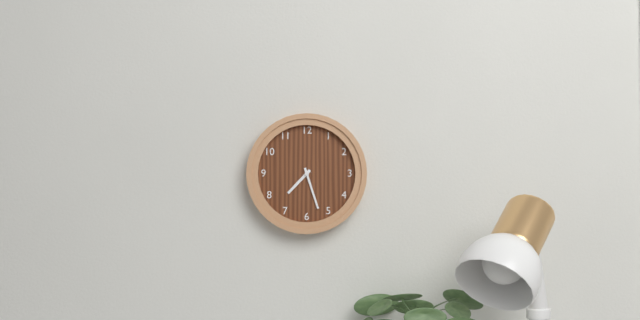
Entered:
7 h 27 min
